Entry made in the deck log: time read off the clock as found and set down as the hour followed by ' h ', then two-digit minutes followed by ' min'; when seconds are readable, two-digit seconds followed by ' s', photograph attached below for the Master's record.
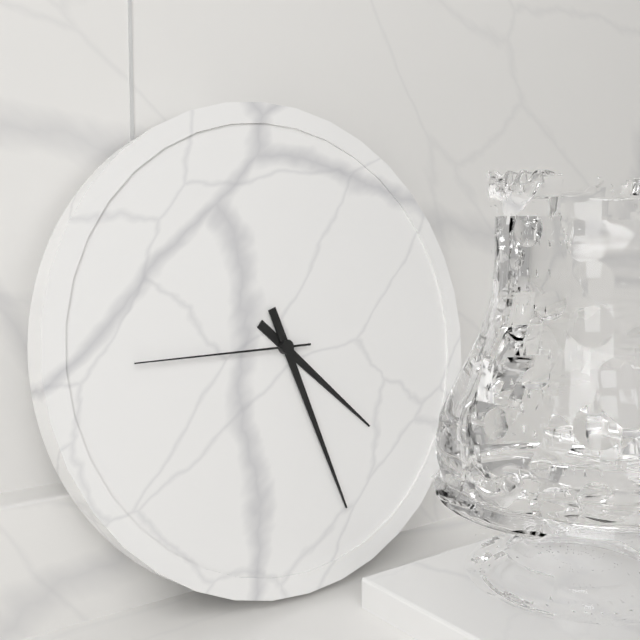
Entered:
4 h 27 min 45 s
